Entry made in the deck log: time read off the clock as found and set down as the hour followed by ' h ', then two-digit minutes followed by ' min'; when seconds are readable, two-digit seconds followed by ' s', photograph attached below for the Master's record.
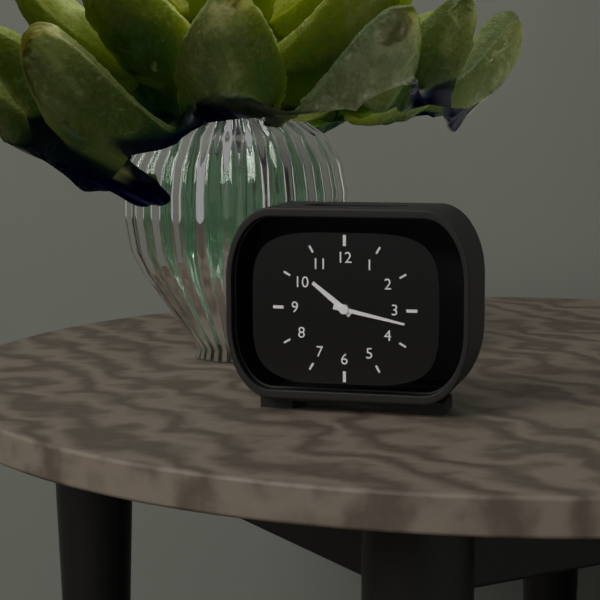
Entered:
10 h 17 min
